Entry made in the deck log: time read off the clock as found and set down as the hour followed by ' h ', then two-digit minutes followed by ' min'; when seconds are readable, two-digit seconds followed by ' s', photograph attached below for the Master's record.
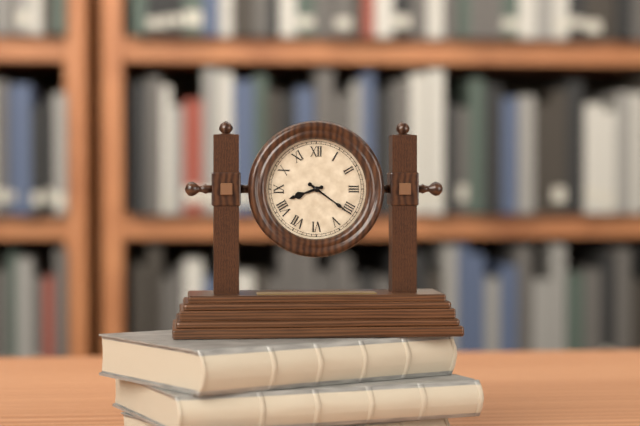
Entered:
8 h 21 min
